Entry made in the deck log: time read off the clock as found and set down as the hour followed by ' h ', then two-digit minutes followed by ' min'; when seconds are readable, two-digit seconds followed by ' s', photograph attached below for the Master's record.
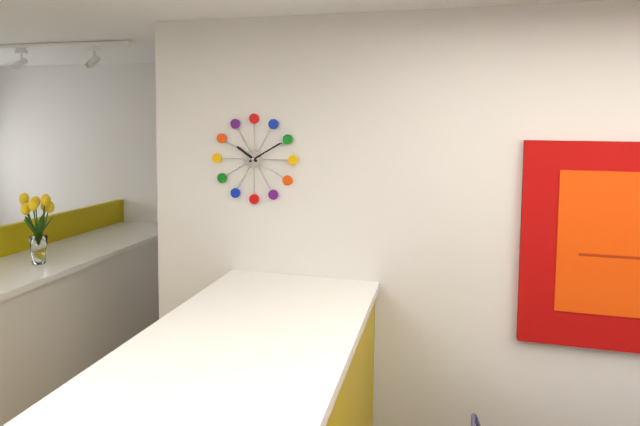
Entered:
10 h 10 min
